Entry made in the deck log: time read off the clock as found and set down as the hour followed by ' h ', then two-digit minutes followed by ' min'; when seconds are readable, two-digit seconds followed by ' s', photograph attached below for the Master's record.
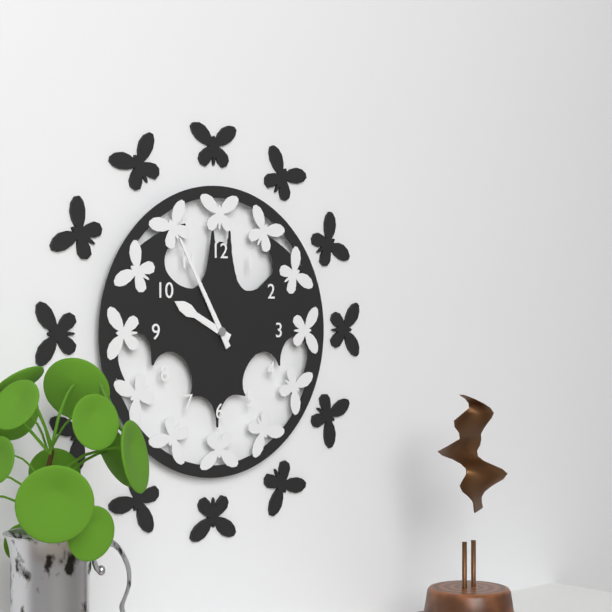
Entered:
9 h 55 min
